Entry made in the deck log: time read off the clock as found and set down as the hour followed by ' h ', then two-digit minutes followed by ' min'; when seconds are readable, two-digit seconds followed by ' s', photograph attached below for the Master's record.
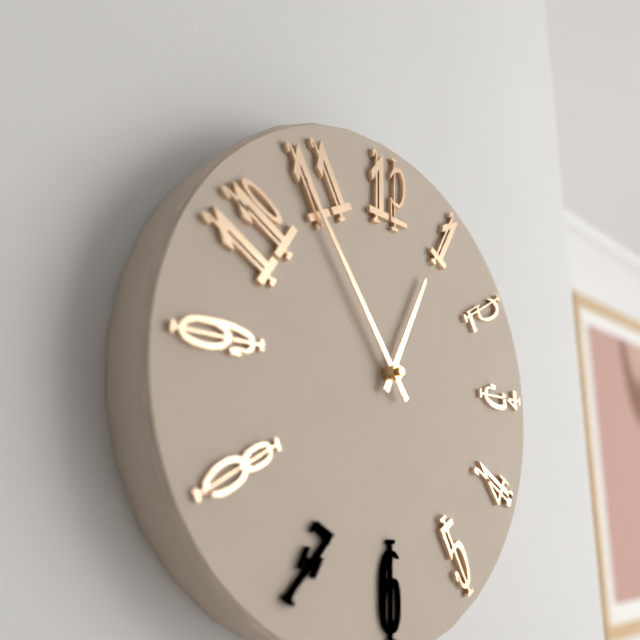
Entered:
12 h 54 min
